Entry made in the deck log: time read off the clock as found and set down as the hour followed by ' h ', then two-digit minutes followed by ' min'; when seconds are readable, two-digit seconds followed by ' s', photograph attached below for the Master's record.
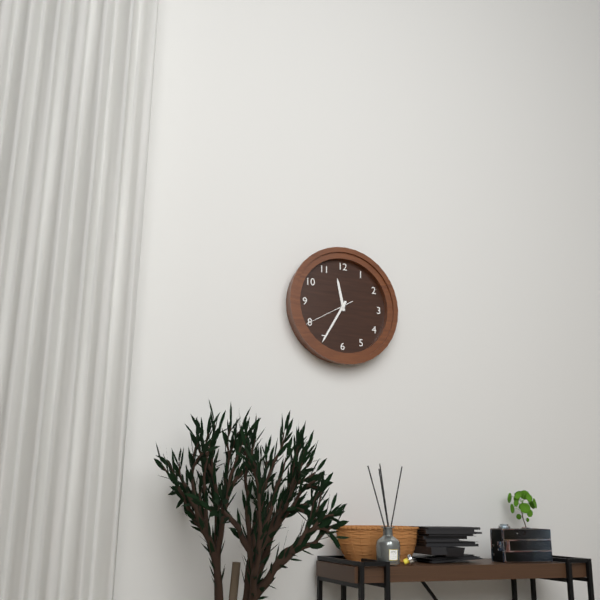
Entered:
11 h 35 min 40 s
